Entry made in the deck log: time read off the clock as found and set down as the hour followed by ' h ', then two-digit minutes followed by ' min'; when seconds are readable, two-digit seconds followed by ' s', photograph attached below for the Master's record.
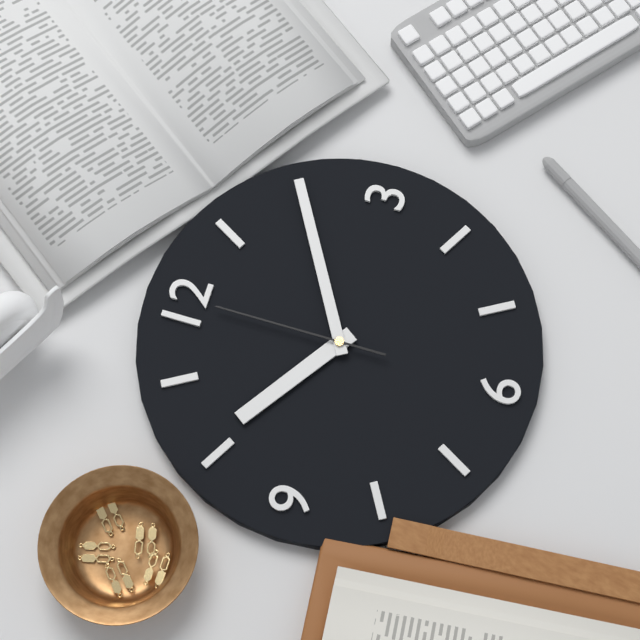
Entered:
10 h 10 min 00 s
